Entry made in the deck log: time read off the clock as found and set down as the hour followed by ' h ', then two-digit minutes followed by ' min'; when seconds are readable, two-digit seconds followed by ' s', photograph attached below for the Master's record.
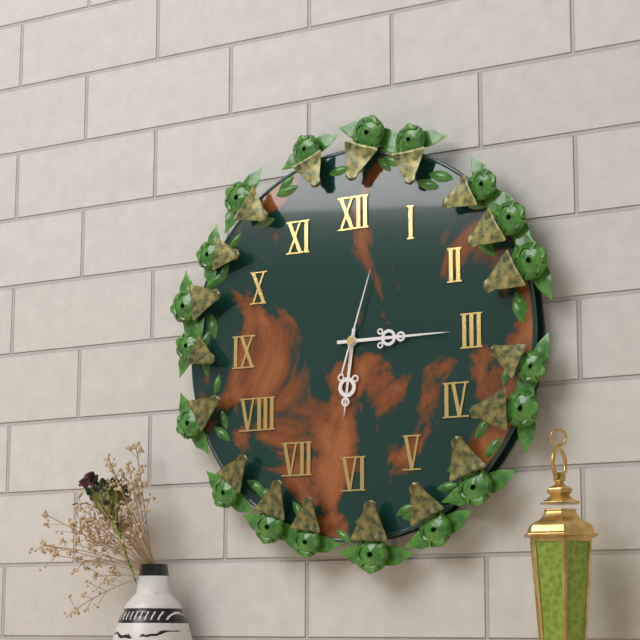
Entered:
6 h 15 min 03 s
